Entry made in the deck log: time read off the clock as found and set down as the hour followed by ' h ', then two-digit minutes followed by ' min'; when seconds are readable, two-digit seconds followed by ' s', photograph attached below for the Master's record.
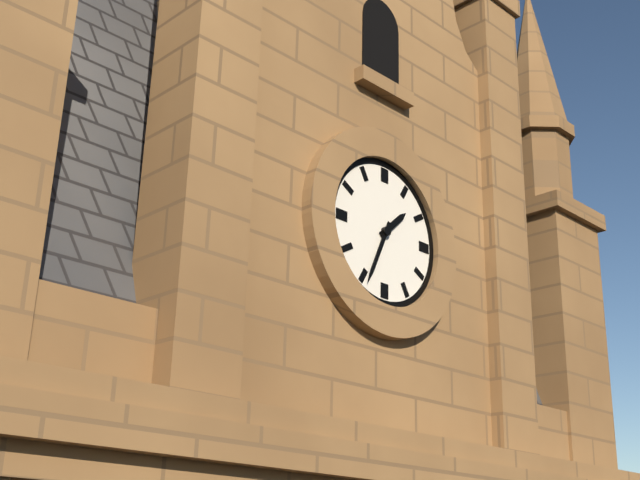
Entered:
1 h 34 min
